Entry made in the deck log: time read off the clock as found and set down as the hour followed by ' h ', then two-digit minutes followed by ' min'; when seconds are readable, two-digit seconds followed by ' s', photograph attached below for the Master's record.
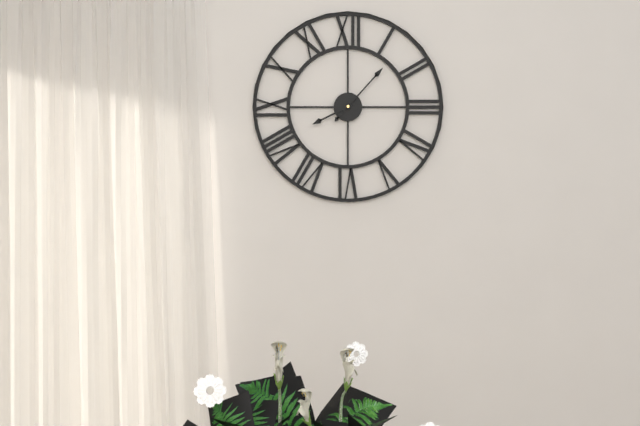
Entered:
8 h 07 min
